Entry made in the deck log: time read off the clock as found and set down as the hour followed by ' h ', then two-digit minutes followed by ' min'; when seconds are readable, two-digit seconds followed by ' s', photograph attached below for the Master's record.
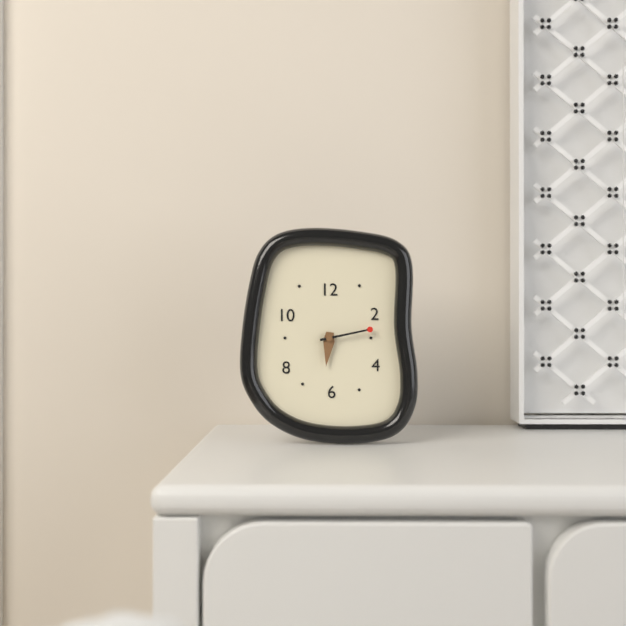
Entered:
6 h 13 min
